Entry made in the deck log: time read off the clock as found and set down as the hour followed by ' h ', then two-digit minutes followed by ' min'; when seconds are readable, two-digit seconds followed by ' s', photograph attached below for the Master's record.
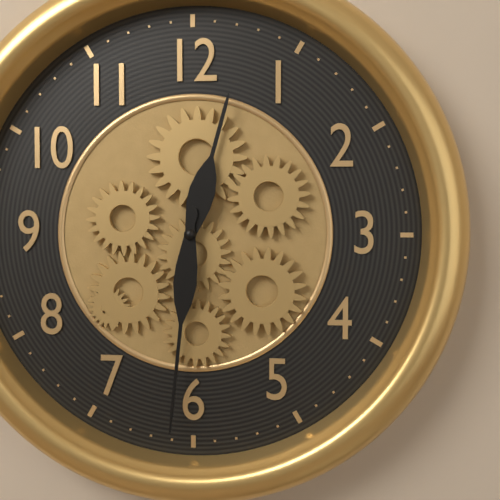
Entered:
12 h 31 min
